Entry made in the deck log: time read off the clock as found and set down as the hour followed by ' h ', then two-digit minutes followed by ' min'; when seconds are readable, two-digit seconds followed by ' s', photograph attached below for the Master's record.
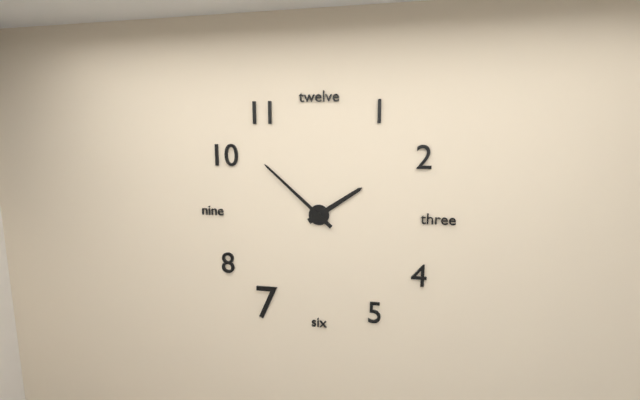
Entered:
1 h 52 min
